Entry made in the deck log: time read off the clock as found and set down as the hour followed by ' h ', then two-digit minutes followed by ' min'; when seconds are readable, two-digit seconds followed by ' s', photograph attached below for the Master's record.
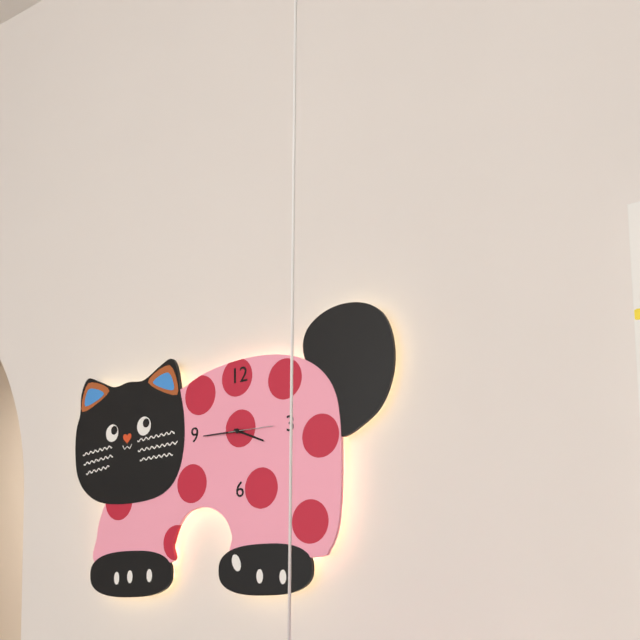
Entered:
3 h 45 min
